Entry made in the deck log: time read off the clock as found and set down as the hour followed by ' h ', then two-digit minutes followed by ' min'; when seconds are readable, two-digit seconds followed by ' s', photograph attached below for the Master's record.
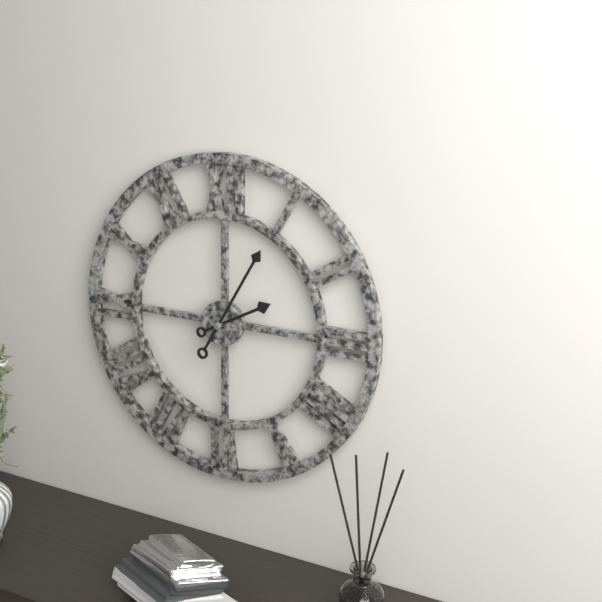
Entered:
2 h 05 min
